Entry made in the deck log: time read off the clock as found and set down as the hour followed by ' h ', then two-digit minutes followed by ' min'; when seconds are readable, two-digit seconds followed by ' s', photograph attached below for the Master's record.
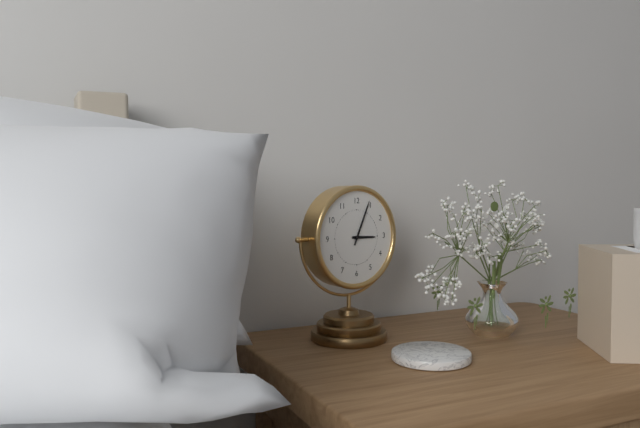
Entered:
3 h 04 min
